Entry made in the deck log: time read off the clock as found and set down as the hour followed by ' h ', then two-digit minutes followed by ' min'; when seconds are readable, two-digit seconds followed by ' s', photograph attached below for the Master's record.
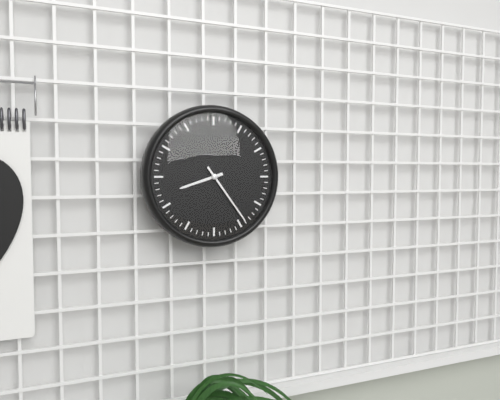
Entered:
8 h 24 min
